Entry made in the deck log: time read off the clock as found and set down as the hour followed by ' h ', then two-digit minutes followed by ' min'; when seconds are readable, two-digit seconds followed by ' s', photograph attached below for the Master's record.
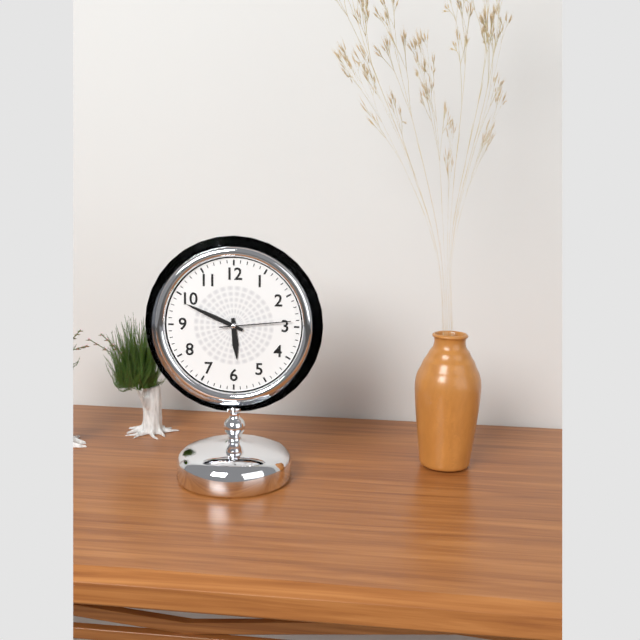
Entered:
5 h 49 min 14 s
